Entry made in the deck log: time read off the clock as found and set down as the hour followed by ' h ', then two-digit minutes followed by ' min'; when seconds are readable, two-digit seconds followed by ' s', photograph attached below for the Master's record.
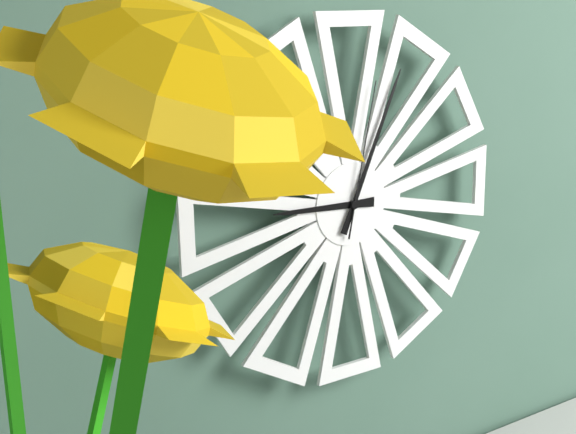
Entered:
9 h 04 min 02 s
